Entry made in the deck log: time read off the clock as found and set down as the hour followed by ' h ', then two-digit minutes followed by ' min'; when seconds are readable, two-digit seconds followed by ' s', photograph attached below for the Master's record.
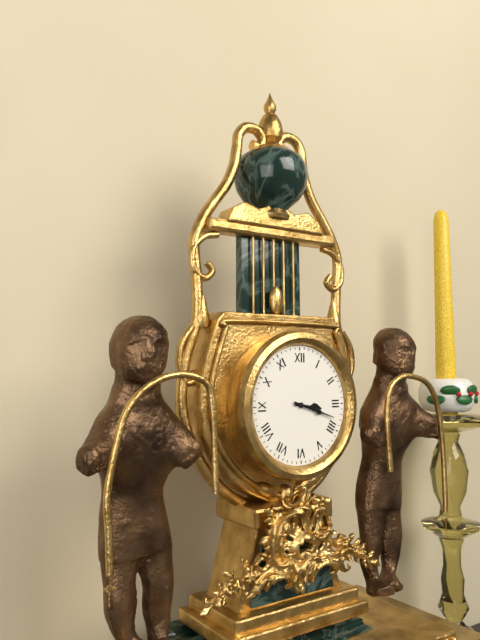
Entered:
3 h 18 min
